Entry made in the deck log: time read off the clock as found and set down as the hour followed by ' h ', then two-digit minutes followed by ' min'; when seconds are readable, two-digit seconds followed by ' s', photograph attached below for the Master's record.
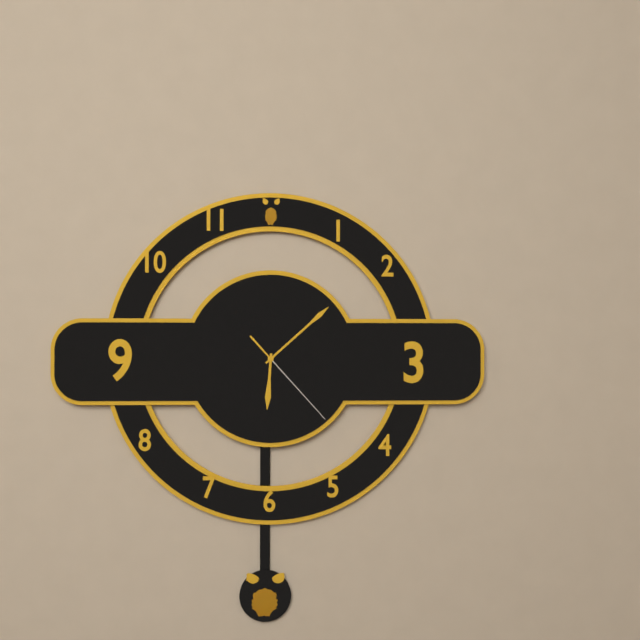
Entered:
6 h 08 min 23 s
